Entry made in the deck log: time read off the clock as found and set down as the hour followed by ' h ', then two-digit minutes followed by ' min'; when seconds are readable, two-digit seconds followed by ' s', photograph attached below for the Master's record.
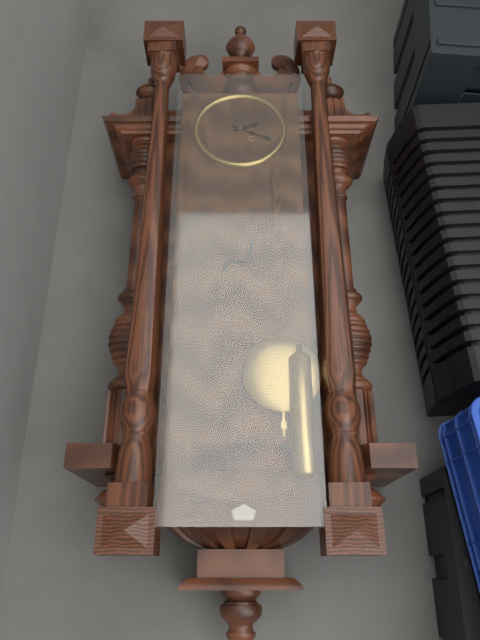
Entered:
2 h 19 min
